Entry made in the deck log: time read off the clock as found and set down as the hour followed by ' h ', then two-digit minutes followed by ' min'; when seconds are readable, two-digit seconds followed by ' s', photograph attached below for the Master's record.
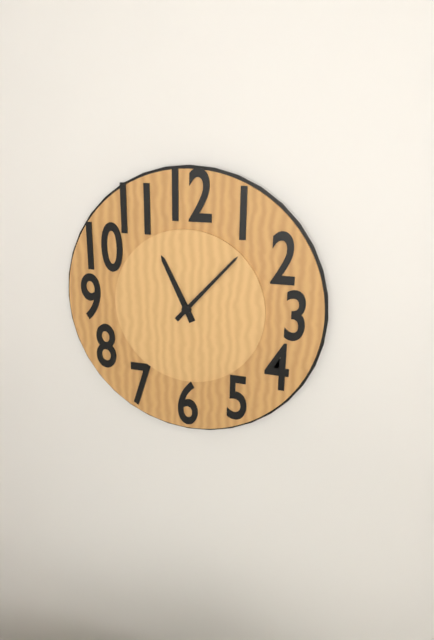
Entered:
11 h 07 min
